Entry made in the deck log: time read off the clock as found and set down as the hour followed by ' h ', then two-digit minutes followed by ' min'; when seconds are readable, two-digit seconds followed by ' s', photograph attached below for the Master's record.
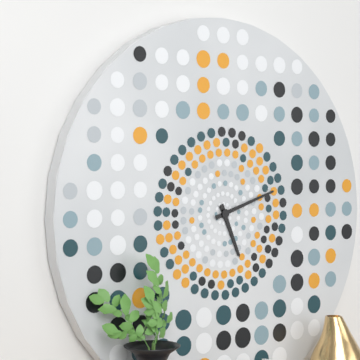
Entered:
5 h 12 min
